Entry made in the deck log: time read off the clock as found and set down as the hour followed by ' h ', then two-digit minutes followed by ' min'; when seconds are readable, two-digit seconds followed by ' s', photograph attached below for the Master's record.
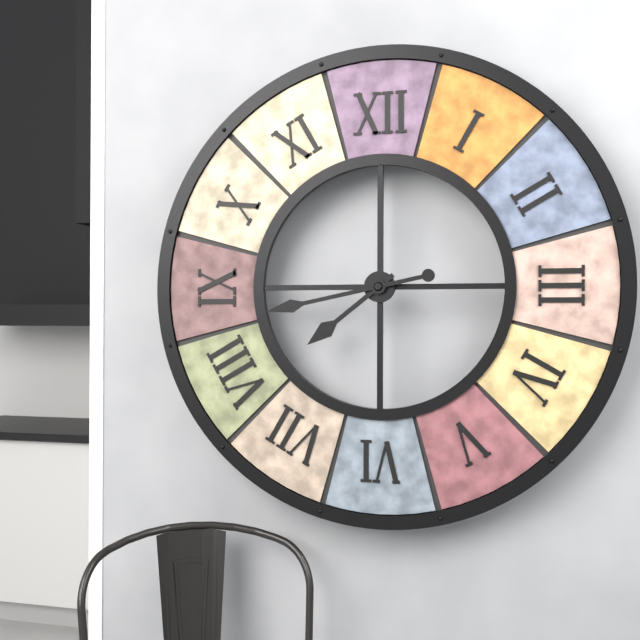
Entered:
7 h 43 min
